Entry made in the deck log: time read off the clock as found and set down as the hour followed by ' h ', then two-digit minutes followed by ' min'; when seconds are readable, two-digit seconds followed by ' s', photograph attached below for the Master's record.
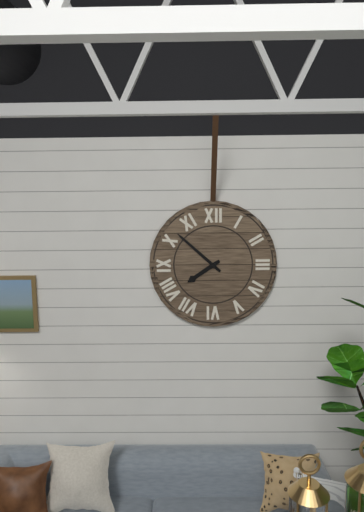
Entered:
7 h 52 min
